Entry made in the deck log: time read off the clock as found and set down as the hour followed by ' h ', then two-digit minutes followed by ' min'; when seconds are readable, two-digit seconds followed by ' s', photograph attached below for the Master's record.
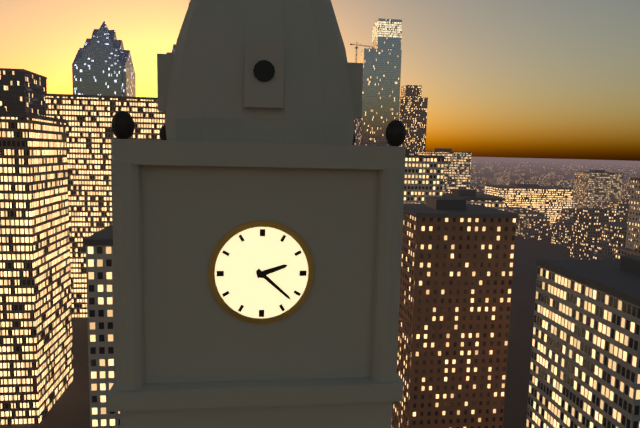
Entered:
2 h 22 min
